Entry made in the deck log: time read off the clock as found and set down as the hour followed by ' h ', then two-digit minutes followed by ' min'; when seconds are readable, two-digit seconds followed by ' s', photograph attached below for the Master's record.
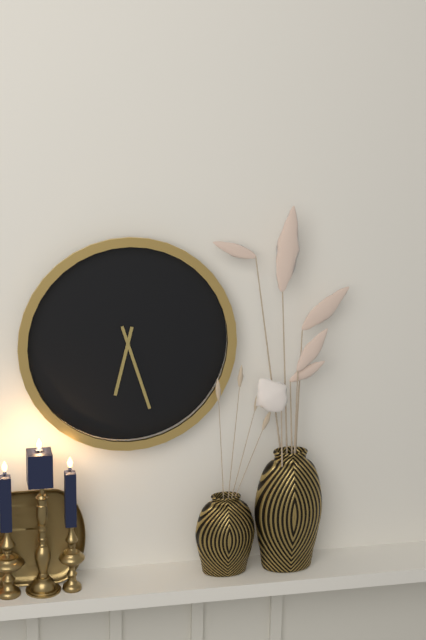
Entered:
6 h 27 min
